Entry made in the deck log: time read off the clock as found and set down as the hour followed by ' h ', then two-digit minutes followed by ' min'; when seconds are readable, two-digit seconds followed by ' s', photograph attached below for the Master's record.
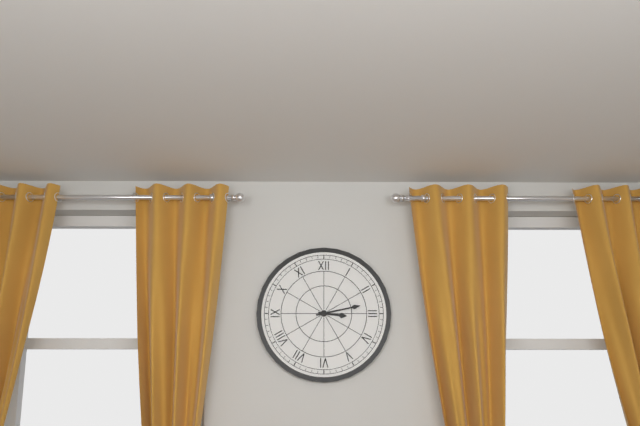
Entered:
3 h 13 min
